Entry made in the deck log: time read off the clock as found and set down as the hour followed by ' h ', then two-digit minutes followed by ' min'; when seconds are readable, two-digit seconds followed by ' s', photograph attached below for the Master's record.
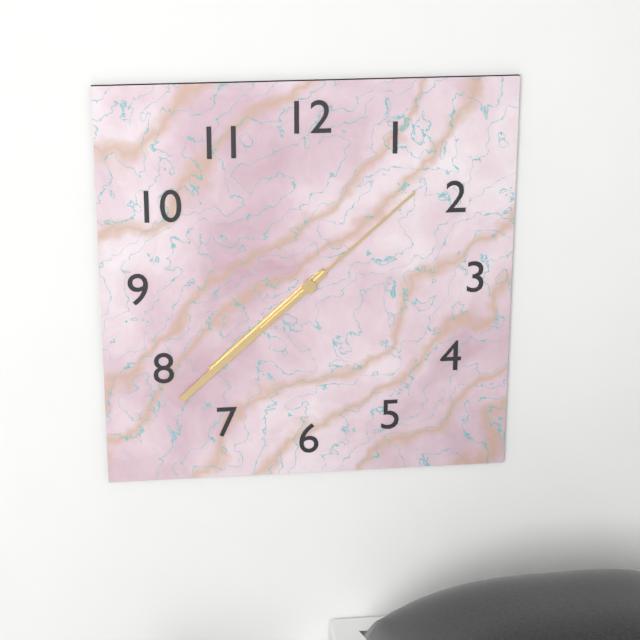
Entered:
7 h 38 min 08 s
